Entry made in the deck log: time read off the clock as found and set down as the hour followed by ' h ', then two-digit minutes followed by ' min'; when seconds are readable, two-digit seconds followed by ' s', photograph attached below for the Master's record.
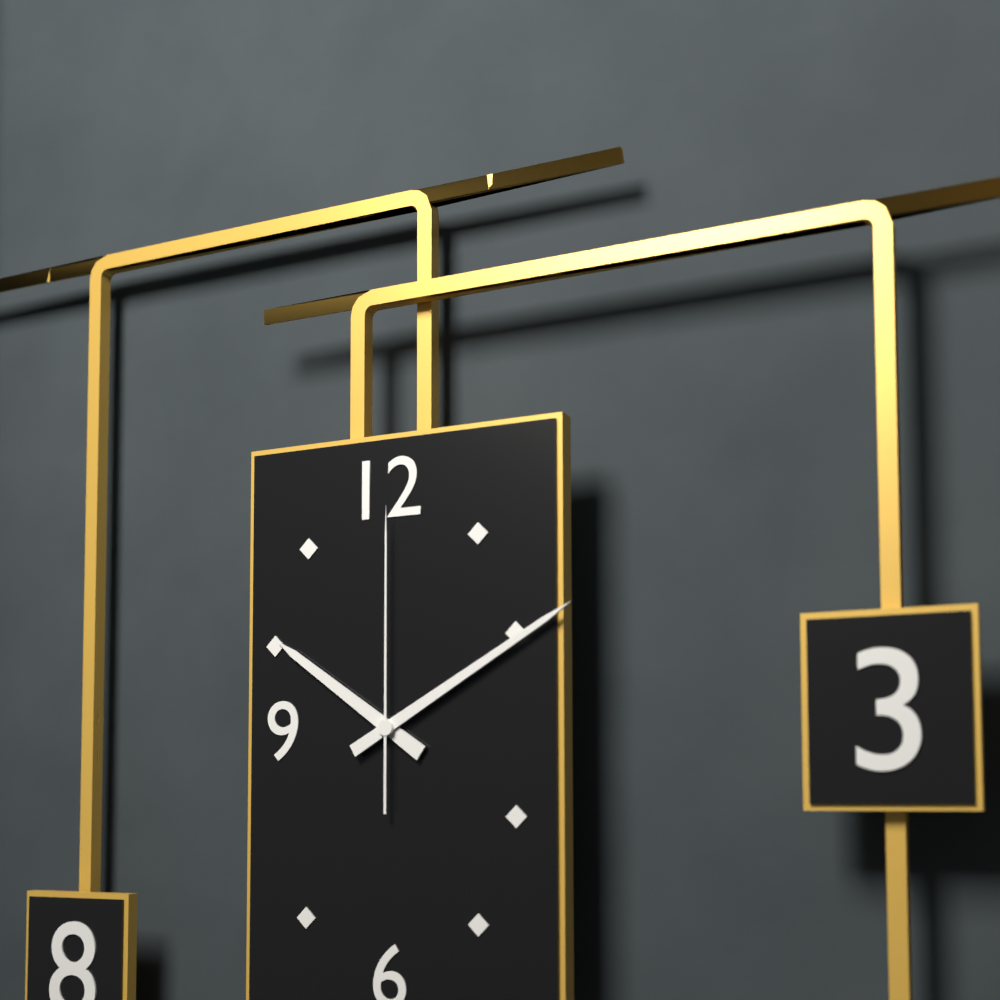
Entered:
10 h 10 min 00 s
